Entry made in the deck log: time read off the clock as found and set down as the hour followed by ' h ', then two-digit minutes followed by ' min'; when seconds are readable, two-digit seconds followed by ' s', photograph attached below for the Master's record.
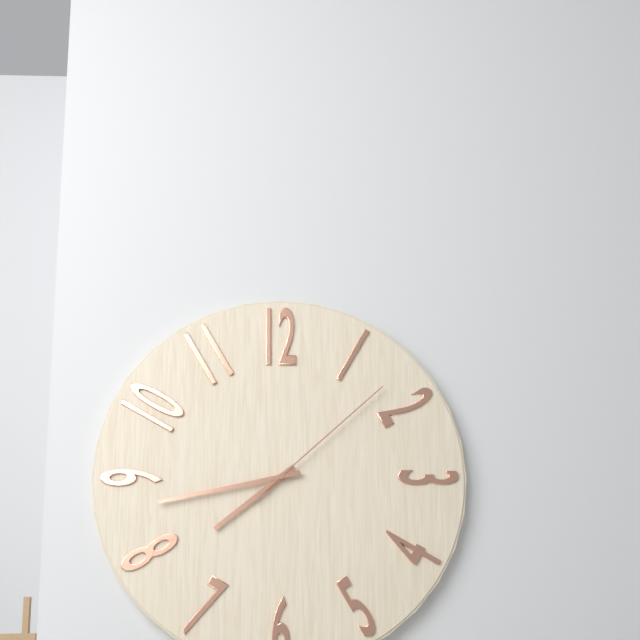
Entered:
7 h 43 min 08 s
